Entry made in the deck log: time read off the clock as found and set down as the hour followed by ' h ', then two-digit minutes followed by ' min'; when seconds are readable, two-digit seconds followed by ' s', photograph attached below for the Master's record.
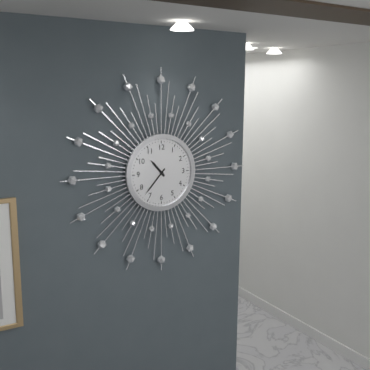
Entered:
10 h 37 min
